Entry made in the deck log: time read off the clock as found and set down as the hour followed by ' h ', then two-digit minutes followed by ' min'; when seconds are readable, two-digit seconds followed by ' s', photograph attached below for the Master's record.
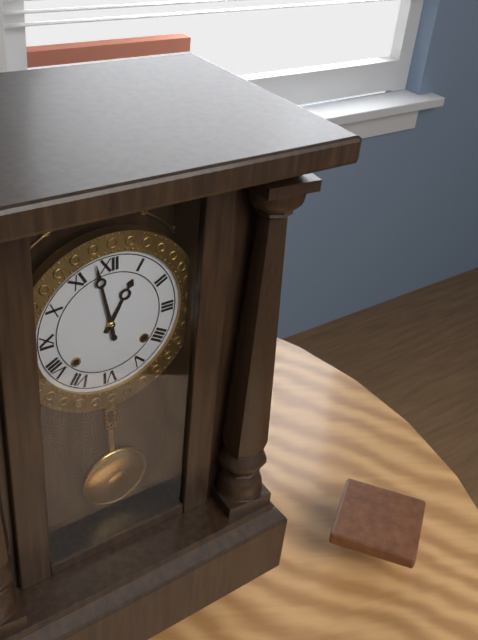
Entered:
12 h 58 min
